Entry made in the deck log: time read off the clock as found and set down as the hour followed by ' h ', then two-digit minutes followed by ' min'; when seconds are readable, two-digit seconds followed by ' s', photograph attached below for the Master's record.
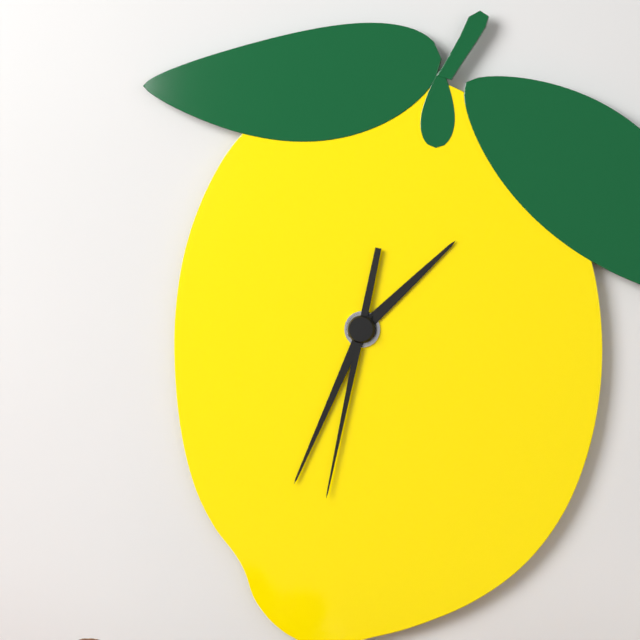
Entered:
1 h 34 min 32 s
